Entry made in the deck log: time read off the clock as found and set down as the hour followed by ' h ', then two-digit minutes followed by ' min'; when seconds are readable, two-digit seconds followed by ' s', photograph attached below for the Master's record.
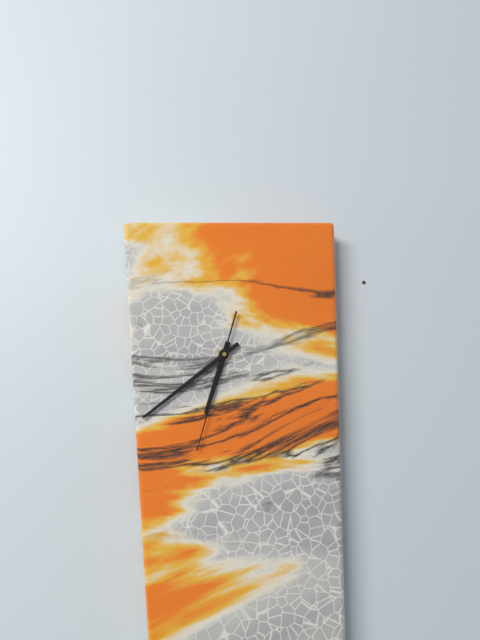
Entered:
6 h 39 min 33 s
